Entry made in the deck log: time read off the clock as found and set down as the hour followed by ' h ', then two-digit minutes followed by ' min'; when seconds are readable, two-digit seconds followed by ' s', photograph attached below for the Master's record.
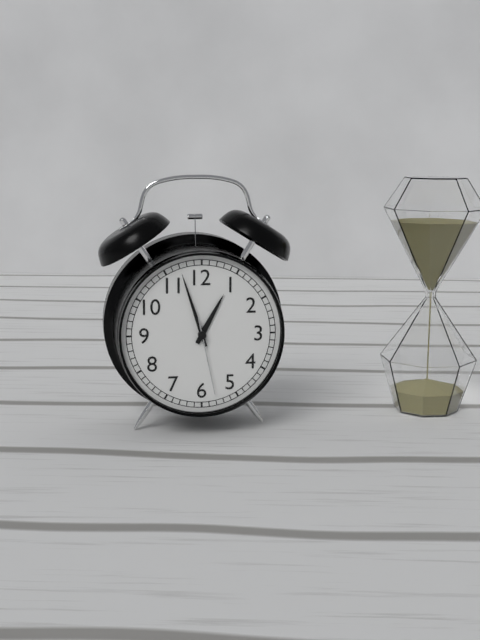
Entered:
12 h 57 min 28 s
